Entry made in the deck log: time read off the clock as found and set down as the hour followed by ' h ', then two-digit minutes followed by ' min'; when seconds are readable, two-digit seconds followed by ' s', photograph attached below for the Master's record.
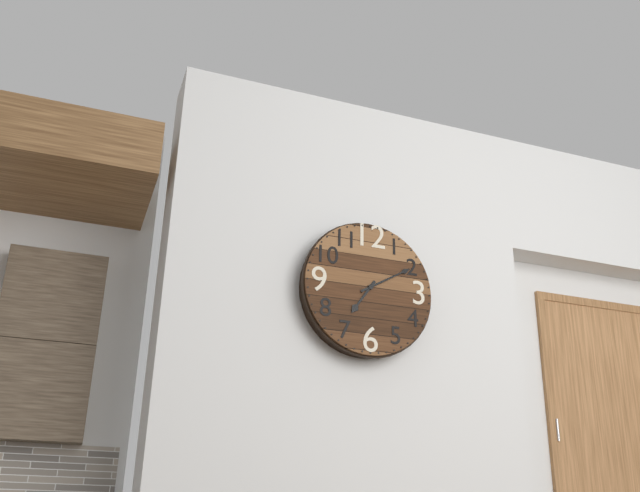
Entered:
7 h 10 min
